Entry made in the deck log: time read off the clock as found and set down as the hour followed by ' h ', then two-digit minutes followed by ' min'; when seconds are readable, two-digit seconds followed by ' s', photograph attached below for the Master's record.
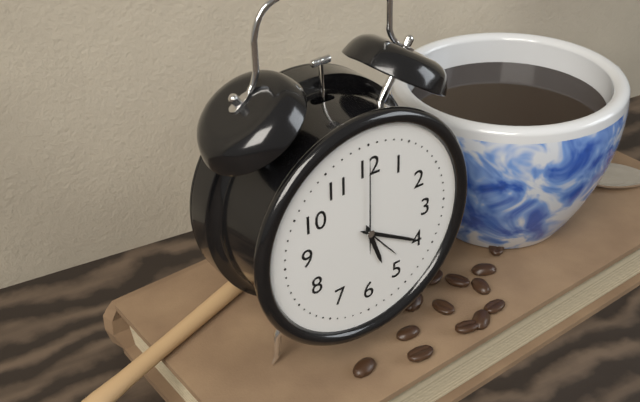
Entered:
5 h 20 min 00 s
